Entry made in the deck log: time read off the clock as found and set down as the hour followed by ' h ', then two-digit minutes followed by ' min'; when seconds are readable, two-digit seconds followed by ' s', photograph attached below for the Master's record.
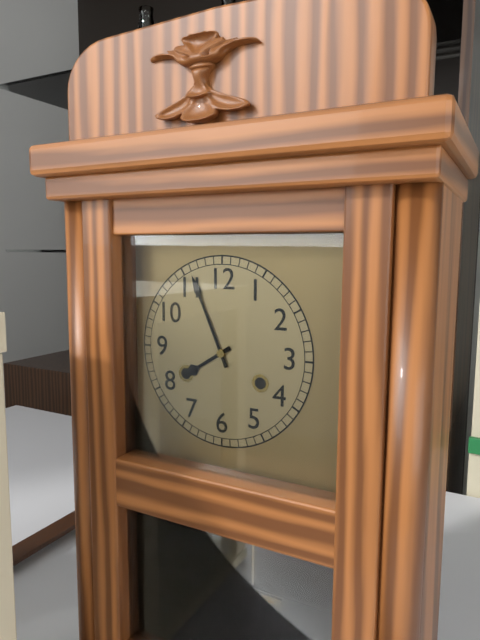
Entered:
7 h 56 min
